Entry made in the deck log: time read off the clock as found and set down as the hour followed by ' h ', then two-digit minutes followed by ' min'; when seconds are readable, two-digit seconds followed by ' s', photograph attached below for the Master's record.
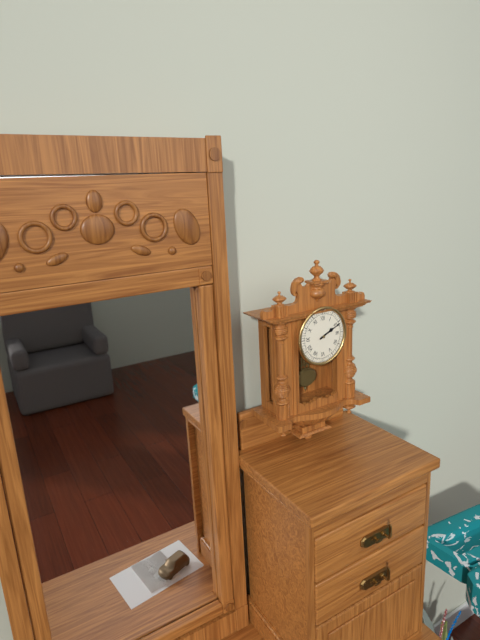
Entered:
2 h 11 min
